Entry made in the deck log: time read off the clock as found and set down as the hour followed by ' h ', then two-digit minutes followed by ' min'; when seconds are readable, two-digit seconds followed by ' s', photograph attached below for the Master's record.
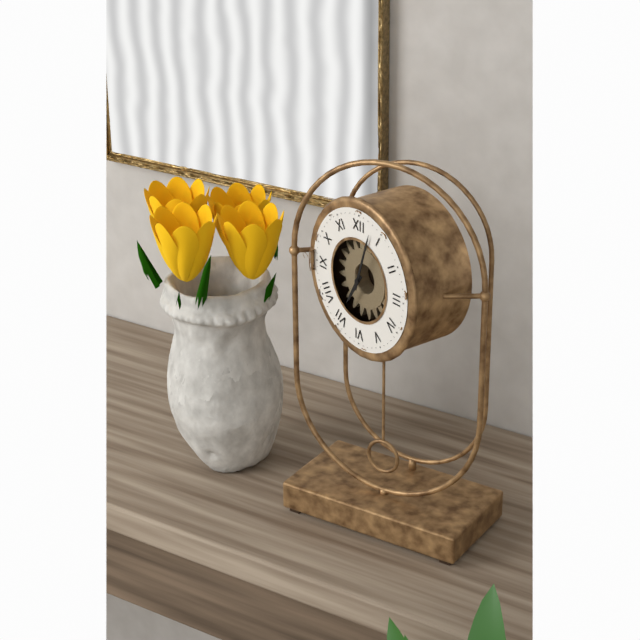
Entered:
7 h 03 min
